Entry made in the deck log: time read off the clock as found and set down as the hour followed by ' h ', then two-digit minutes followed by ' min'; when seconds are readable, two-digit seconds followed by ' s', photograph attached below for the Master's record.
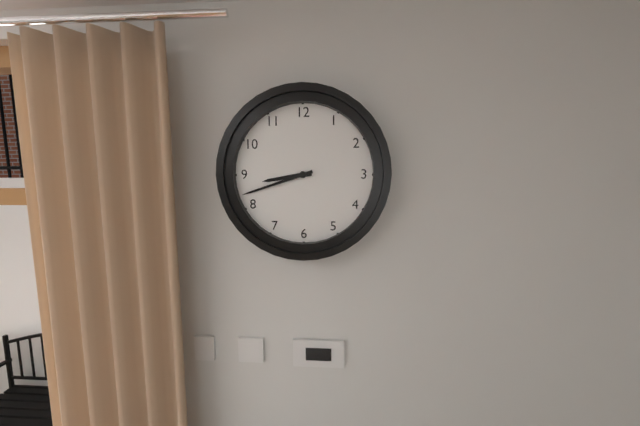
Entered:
8 h 42 min
